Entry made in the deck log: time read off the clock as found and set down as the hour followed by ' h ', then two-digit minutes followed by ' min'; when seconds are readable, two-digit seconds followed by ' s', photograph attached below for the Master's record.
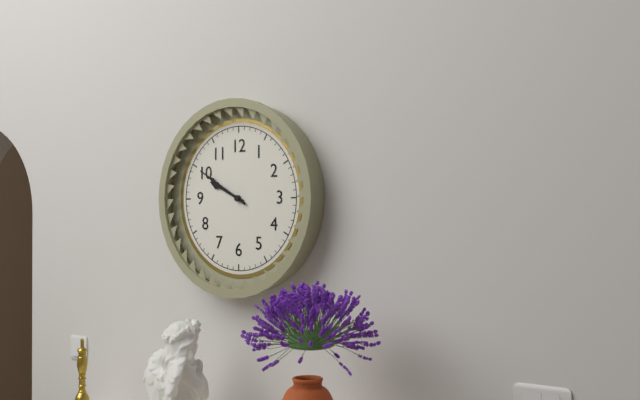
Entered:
9 h 50 min
